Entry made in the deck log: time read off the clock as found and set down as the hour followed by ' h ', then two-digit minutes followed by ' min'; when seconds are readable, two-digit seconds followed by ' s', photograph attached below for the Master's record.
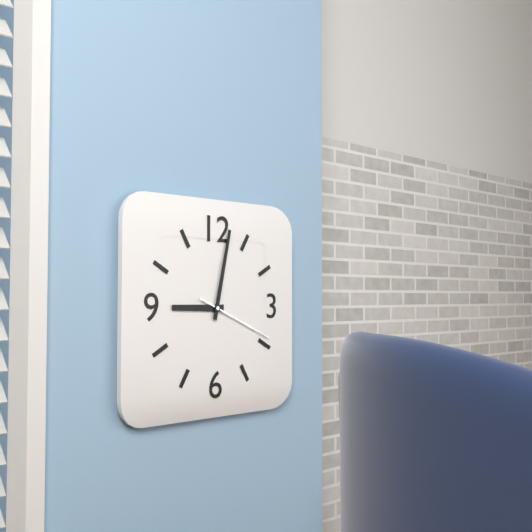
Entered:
9 h 02 min 19 s
